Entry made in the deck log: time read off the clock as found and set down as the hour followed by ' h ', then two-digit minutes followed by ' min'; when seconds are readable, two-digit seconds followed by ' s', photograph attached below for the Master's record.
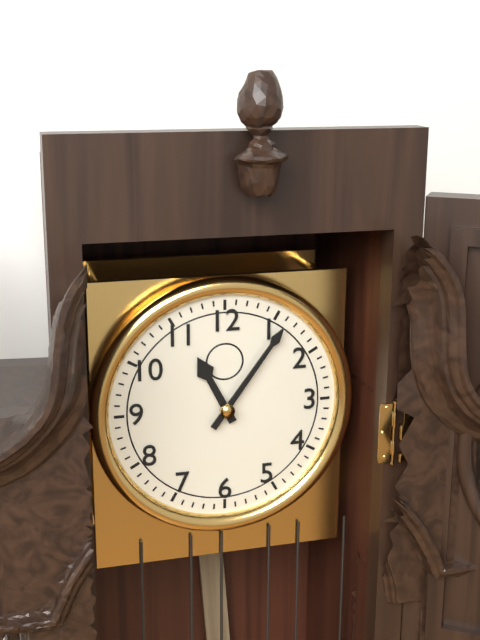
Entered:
11 h 06 min
